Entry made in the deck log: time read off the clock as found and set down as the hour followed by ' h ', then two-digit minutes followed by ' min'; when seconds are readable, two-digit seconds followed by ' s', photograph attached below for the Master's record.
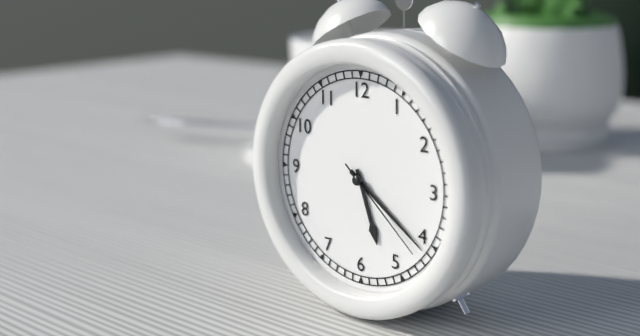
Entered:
5 h 21 min 22 s
